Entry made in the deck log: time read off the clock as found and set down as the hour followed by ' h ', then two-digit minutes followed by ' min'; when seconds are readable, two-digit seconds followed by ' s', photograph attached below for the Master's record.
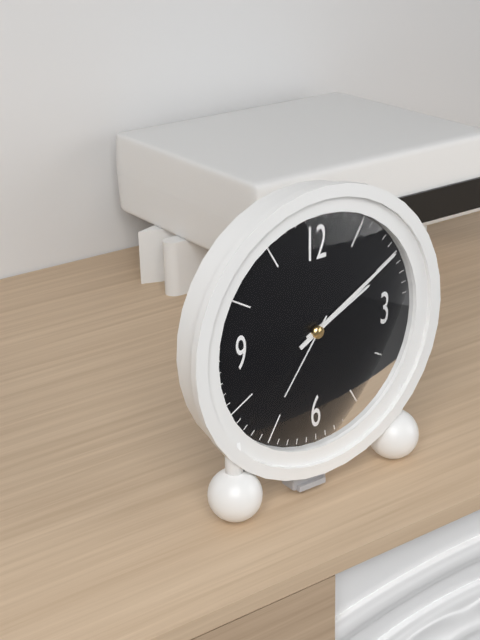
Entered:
2 h 10 min 36 s
